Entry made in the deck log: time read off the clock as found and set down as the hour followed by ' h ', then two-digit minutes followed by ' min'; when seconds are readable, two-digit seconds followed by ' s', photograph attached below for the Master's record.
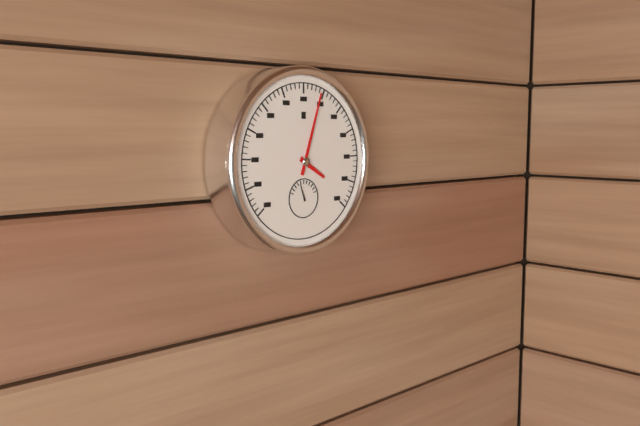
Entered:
4 h 03 min
